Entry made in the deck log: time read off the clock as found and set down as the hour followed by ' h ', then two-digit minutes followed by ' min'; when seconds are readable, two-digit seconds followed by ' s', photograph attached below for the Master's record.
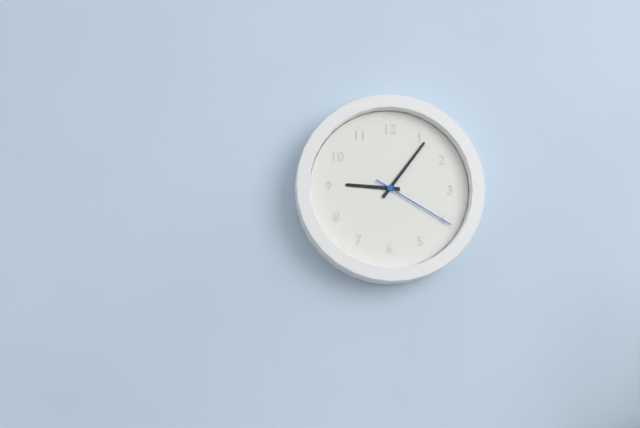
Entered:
9 h 06 min 20 s
